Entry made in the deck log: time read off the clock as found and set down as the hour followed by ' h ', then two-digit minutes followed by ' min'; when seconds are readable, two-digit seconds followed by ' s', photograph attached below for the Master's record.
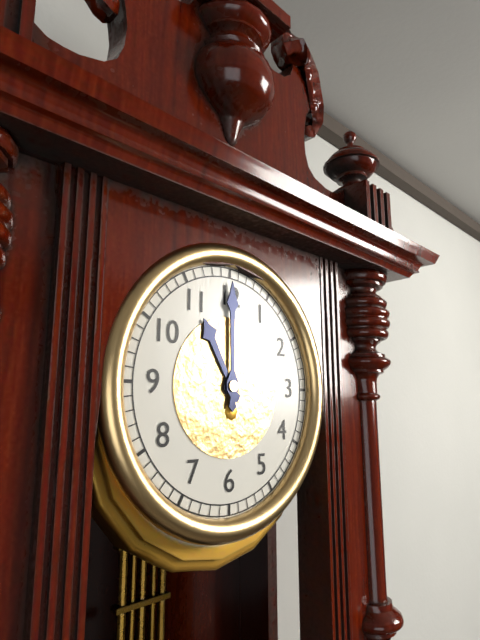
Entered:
11 h 00 min
